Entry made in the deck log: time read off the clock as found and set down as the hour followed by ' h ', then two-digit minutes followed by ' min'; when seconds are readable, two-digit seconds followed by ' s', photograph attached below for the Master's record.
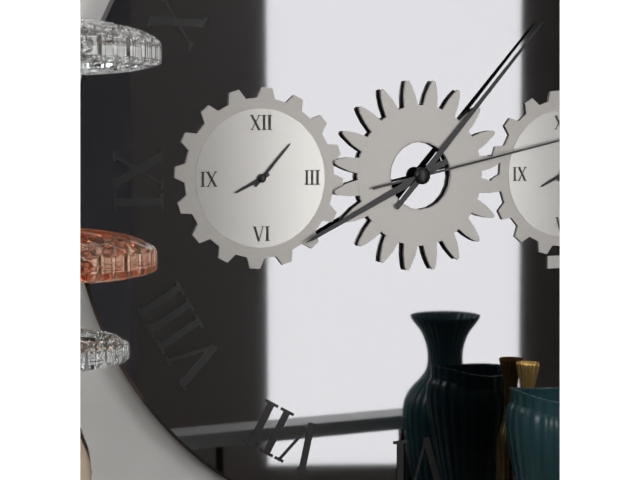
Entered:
8 h 07 min 13 s
